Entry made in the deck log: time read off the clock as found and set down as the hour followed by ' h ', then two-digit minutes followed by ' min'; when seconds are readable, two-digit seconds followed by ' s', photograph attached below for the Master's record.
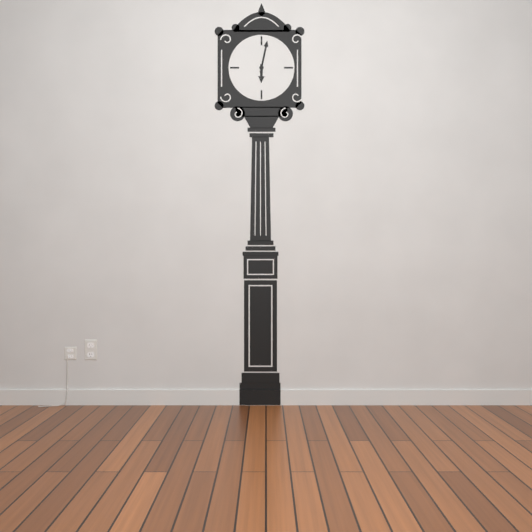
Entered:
6 h 02 min
